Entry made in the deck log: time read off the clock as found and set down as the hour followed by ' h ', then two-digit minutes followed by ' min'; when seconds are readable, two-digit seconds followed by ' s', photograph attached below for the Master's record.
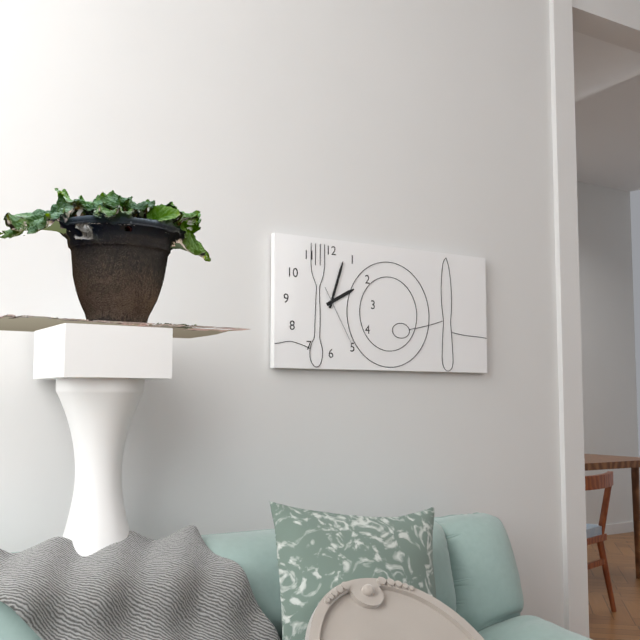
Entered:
2 h 03 min 25 s
